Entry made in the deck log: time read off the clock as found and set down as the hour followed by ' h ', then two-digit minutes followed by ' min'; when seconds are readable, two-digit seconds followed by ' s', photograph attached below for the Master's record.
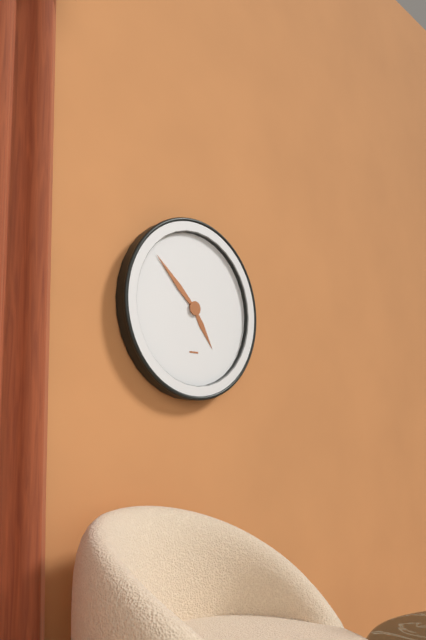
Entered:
4 h 52 min
